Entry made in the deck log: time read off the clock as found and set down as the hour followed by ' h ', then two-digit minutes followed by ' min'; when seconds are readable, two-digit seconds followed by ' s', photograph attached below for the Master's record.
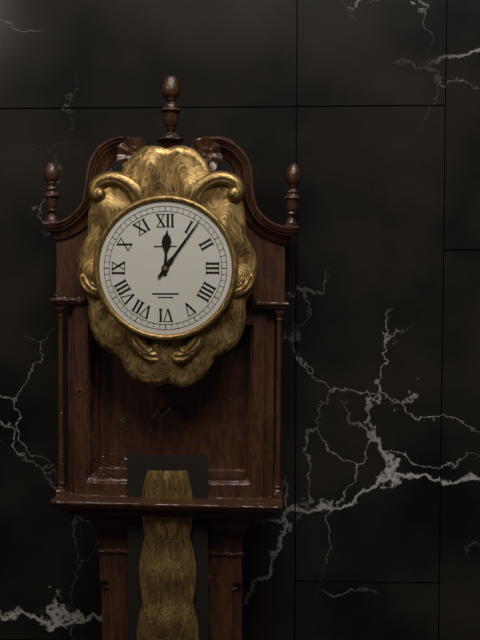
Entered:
12 h 06 min
